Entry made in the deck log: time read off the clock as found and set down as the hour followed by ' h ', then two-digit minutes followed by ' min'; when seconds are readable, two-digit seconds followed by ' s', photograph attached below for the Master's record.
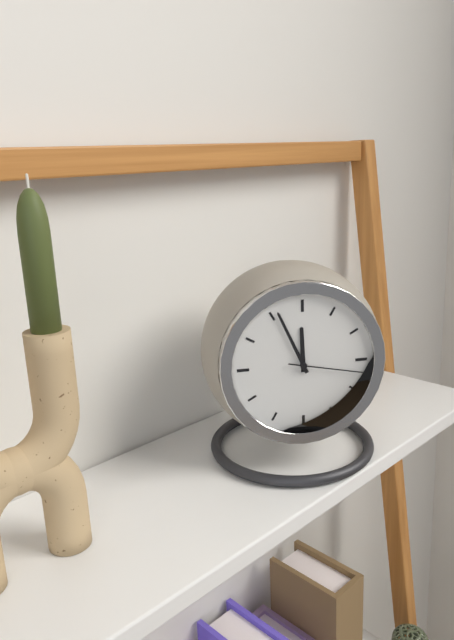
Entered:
11 h 56 min 17 s
